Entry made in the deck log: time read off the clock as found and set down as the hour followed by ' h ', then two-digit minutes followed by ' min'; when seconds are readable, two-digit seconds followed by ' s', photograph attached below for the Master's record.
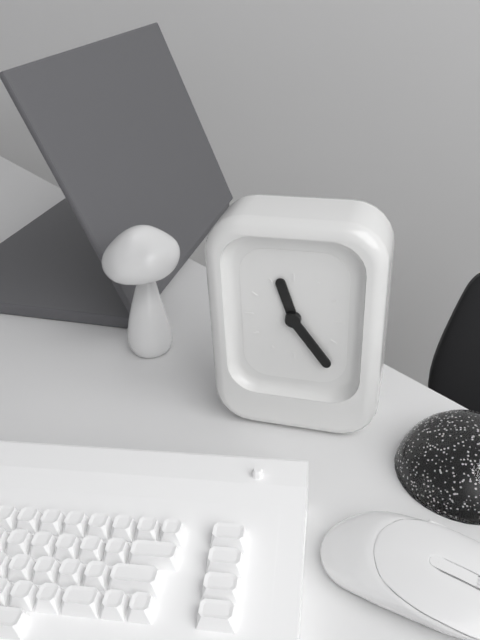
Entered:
11 h 24 min
